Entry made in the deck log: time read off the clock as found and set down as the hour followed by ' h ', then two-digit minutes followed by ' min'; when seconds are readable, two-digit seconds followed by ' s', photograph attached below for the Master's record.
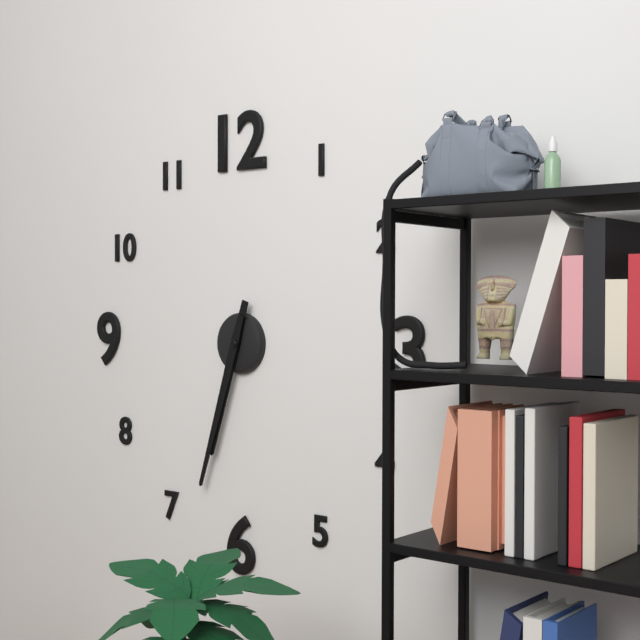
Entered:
6 h 33 min
